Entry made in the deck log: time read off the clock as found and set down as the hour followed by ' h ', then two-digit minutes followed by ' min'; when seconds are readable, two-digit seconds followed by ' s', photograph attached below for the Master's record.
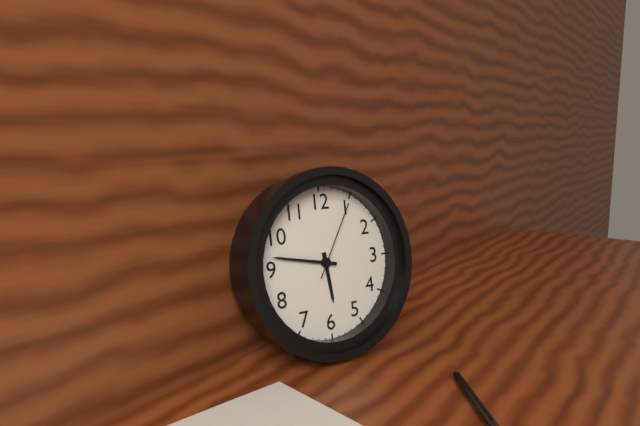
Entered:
5 h 47 min 05 s
